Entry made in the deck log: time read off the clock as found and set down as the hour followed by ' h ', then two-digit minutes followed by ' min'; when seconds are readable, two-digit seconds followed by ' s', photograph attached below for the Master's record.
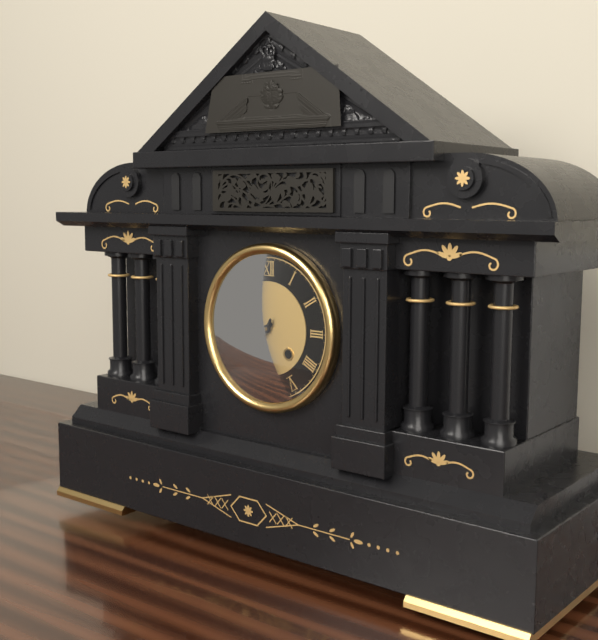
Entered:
7 h 35 min
